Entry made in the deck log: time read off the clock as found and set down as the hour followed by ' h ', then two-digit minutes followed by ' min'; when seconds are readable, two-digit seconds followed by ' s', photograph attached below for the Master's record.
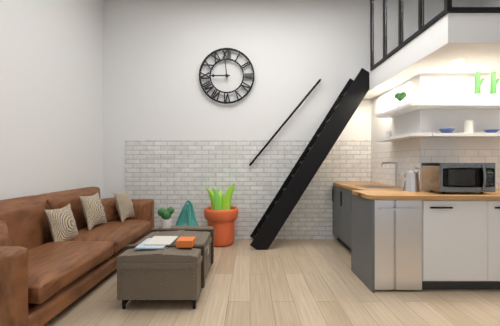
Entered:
8 h 59 min
